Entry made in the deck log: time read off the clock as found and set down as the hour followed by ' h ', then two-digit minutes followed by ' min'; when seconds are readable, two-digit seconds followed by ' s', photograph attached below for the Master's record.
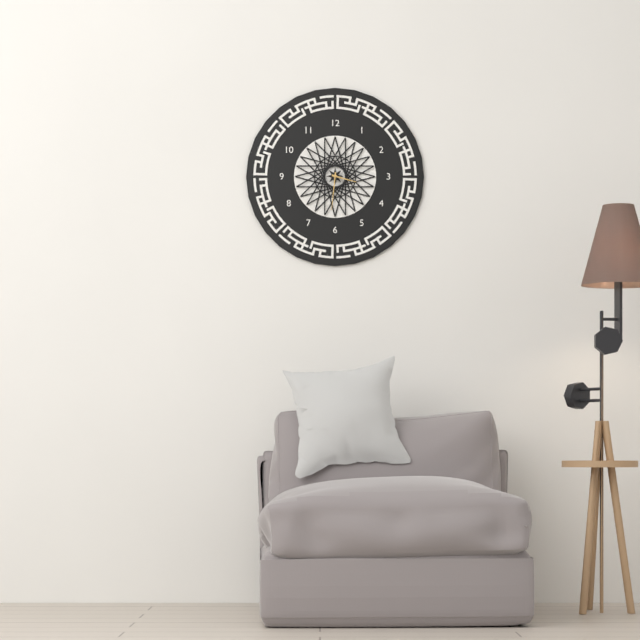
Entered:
3 h 31 min
